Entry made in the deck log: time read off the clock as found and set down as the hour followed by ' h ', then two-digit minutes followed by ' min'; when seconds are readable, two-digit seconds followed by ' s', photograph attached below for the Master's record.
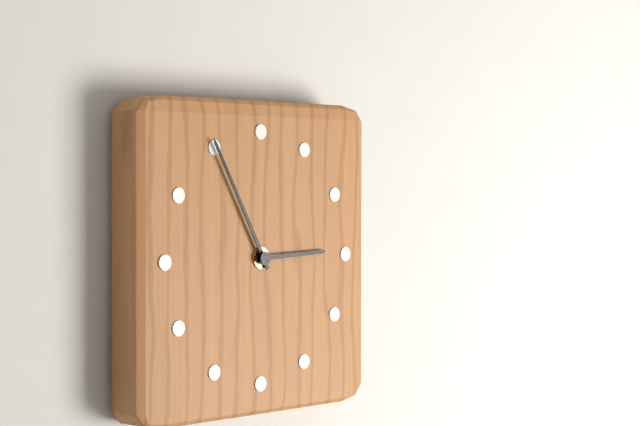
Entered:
2 h 55 min
